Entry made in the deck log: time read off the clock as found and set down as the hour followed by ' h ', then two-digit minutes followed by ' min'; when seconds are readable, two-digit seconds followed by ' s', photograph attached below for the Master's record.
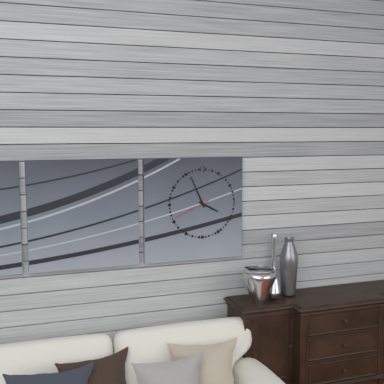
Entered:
3 h 56 min
